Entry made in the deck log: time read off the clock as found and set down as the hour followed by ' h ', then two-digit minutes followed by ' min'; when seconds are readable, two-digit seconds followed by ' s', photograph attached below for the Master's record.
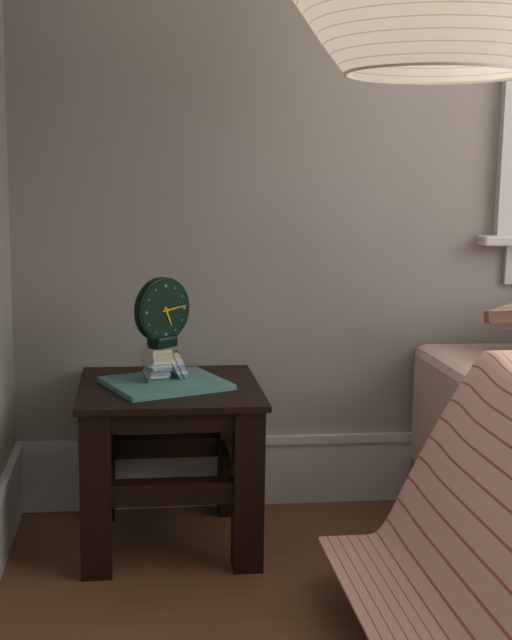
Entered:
5 h 14 min
